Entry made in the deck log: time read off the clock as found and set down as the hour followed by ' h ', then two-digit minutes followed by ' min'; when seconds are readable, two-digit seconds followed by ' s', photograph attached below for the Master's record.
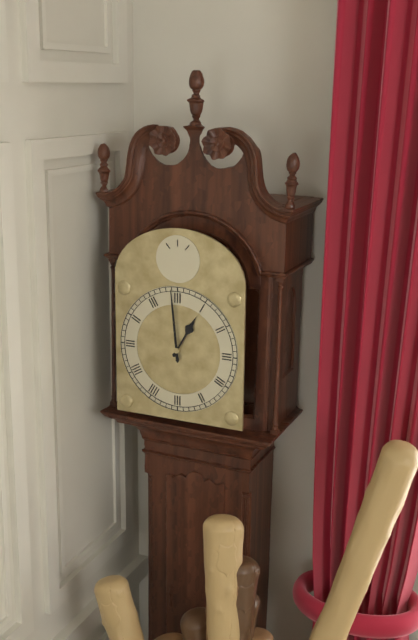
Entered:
12 h 59 min
